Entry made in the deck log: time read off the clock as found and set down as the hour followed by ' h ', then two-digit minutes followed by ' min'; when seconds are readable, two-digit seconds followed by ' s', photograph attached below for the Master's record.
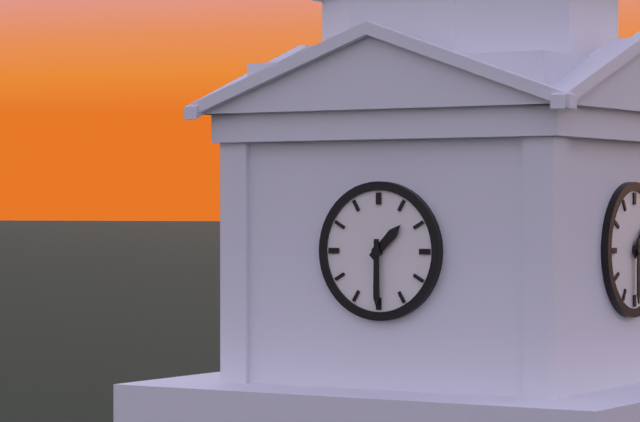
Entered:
1 h 30 min
